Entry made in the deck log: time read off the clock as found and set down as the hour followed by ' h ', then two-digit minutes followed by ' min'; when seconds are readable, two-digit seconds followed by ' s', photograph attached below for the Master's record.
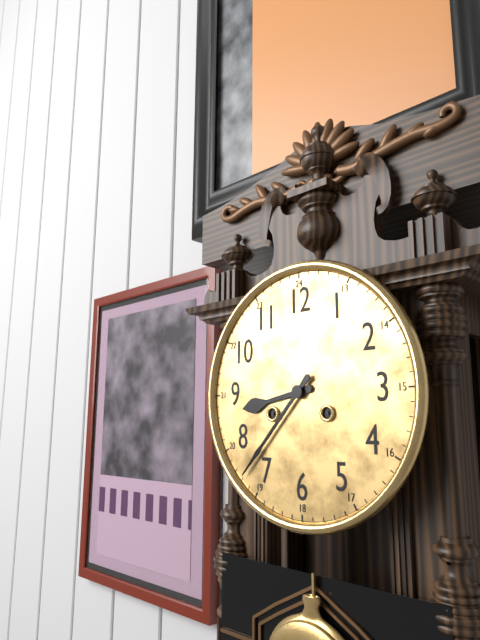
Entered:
8 h 37 min
